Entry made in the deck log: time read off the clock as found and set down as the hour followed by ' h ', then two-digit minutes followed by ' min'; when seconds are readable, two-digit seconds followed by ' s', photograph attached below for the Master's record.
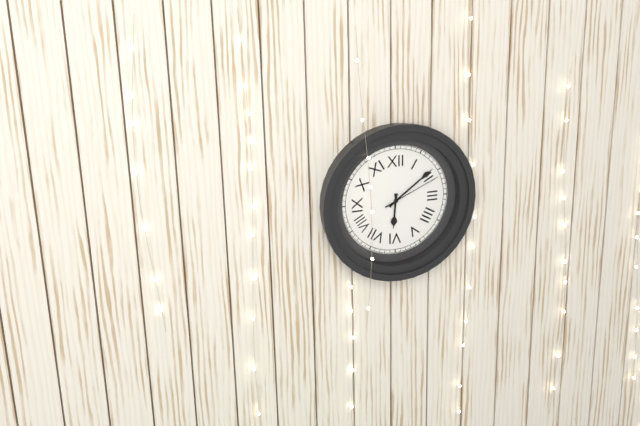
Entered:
6 h 09 min 11 s
